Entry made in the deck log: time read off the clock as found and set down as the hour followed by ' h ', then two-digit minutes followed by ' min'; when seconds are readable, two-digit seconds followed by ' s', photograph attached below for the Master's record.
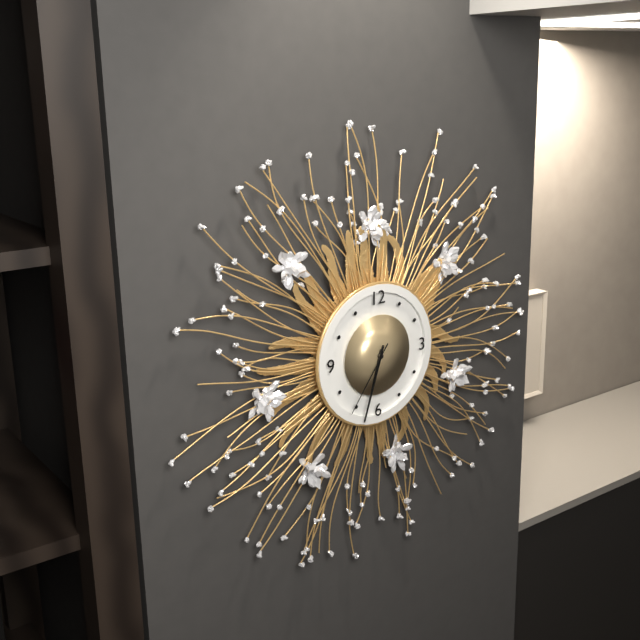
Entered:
6 h 33 min 36 s
